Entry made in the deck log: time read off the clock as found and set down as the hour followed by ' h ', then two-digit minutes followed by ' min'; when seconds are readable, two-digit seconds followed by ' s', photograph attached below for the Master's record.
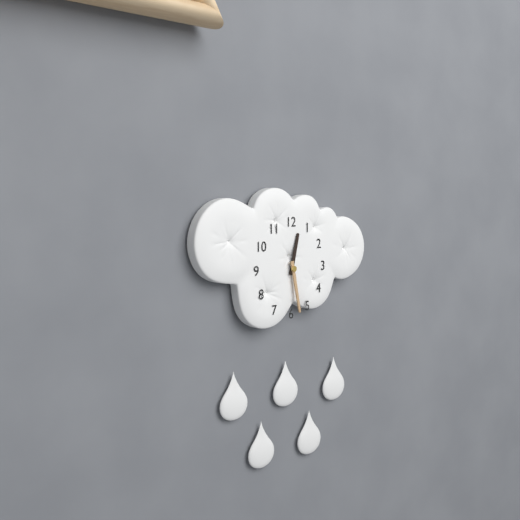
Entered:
12 h 28 min
